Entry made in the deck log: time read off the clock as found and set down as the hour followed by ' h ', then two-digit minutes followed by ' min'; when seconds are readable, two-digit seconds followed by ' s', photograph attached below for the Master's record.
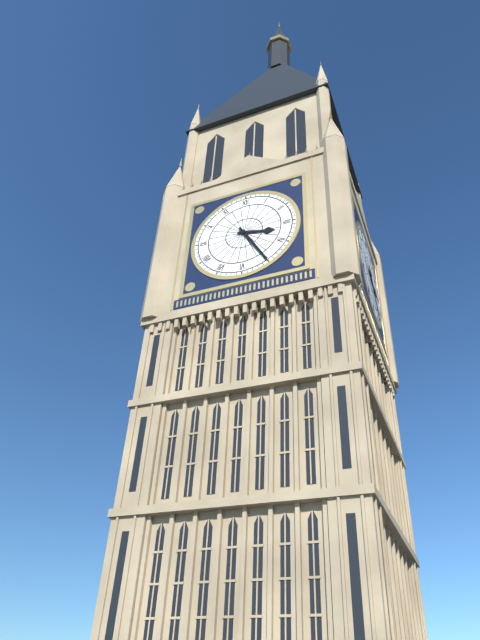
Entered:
3 h 25 min
